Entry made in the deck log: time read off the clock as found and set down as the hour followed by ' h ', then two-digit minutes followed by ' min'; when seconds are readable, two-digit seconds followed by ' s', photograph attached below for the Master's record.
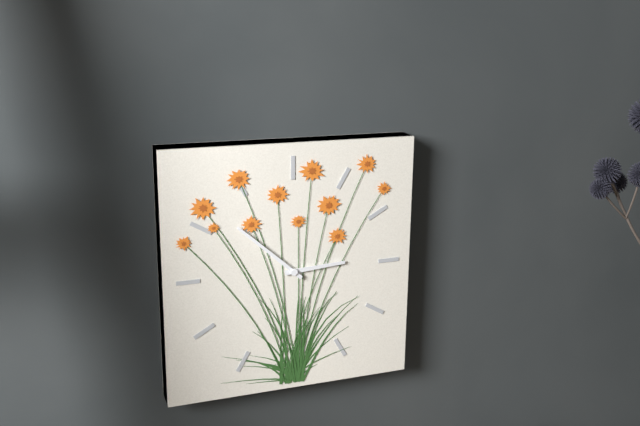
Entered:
2 h 52 min
